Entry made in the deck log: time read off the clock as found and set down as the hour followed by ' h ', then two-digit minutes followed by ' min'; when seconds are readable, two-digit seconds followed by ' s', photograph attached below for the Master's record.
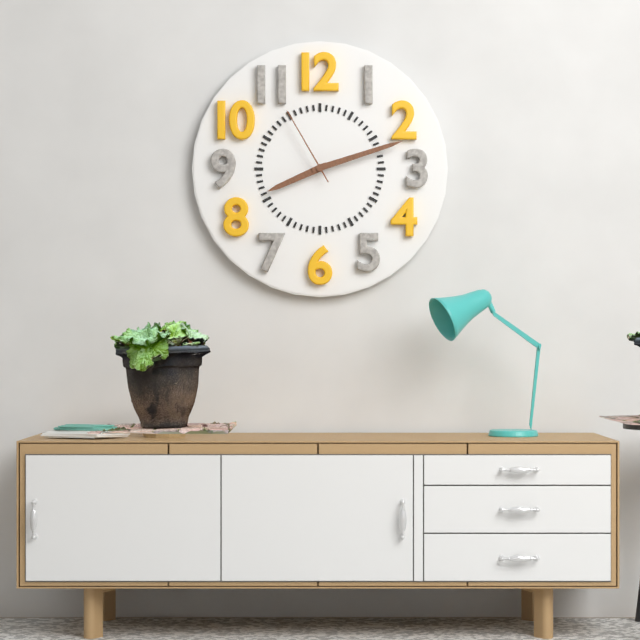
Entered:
8 h 12 min 55 s
